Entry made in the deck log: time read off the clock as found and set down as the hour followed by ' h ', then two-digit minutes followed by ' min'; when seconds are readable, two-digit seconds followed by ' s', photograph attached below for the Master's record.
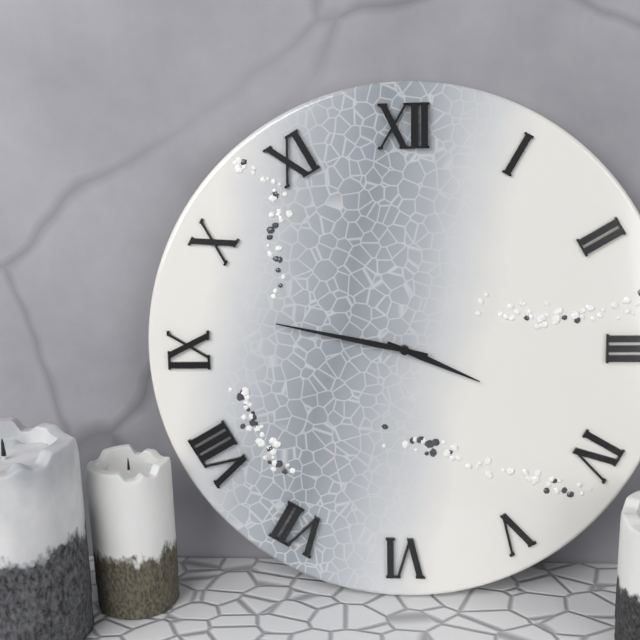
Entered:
3 h 47 min
